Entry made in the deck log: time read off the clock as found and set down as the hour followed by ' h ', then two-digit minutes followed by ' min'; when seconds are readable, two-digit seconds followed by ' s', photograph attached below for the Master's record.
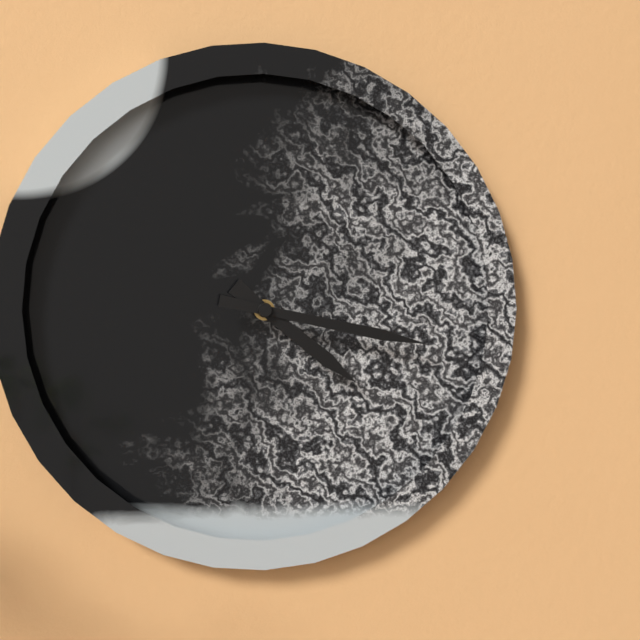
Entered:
4 h 17 min
